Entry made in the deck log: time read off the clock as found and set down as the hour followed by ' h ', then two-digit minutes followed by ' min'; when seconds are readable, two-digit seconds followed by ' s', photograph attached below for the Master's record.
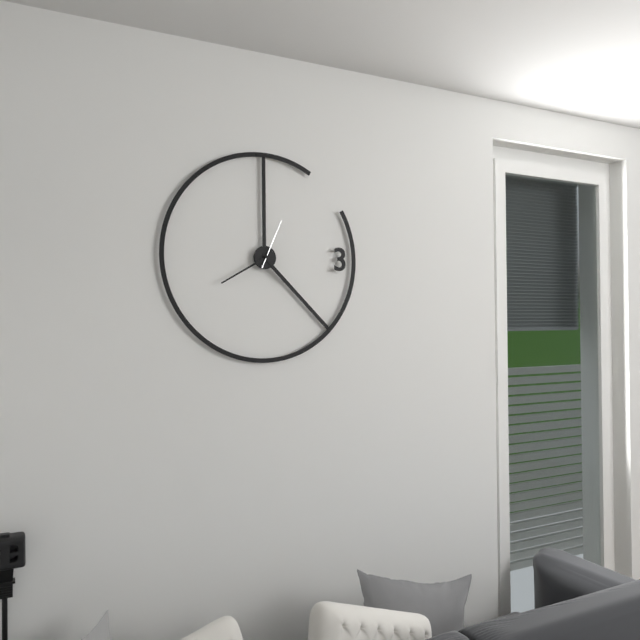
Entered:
4 h 40 min 04 s
